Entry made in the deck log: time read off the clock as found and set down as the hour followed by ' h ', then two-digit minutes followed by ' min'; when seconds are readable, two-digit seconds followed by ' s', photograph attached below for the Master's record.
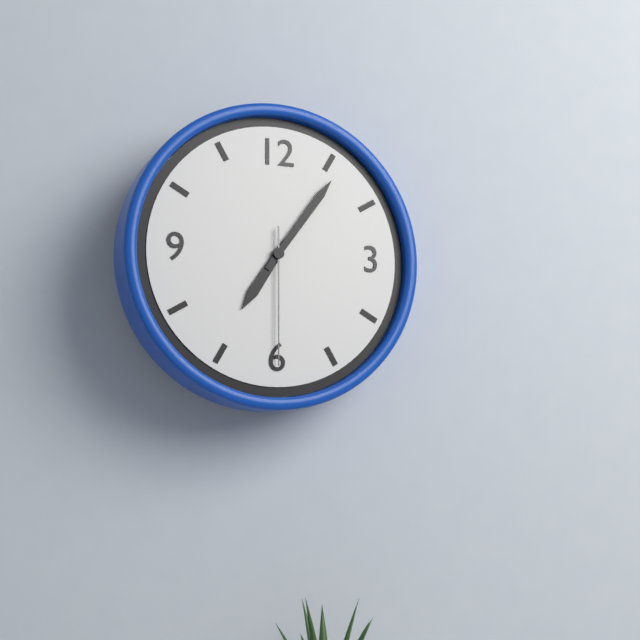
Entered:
7 h 06 min 30 s
